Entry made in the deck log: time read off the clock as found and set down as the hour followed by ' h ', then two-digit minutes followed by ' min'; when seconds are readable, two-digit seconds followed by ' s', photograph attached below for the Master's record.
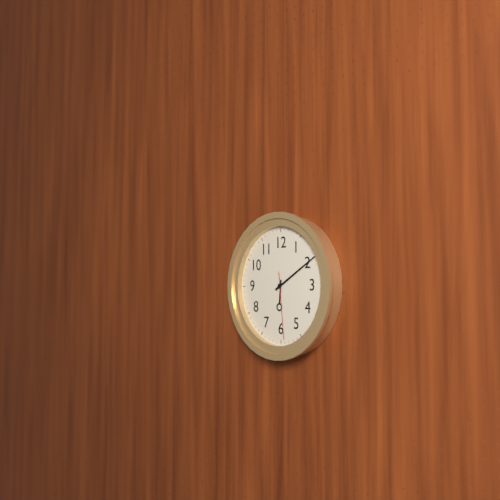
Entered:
6 h 10 min 29 s
